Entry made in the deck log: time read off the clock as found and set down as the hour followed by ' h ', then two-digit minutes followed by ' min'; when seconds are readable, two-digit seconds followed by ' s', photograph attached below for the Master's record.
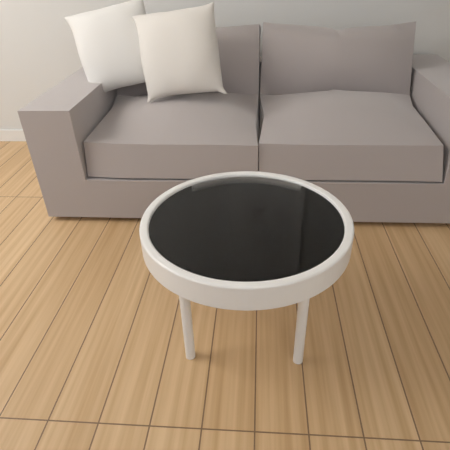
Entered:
9 h 34 min
